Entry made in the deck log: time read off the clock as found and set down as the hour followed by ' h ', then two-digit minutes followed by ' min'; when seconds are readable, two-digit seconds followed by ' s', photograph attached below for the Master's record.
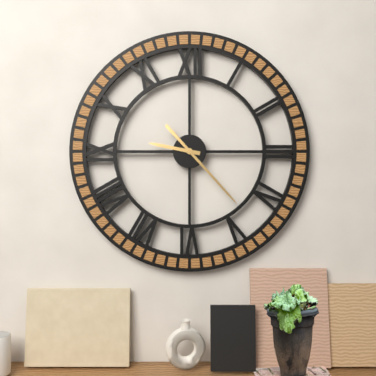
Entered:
9 h 23 min
